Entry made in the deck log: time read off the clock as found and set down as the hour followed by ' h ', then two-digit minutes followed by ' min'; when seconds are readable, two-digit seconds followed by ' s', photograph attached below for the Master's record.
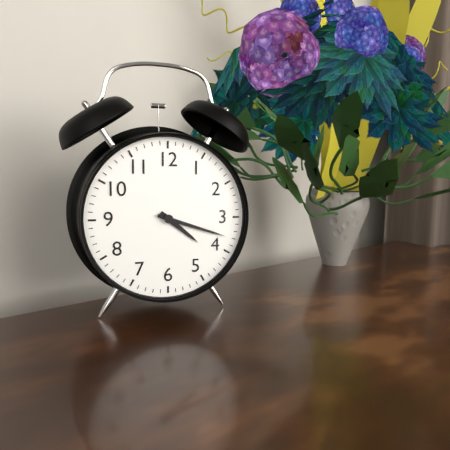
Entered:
4 h 18 min
